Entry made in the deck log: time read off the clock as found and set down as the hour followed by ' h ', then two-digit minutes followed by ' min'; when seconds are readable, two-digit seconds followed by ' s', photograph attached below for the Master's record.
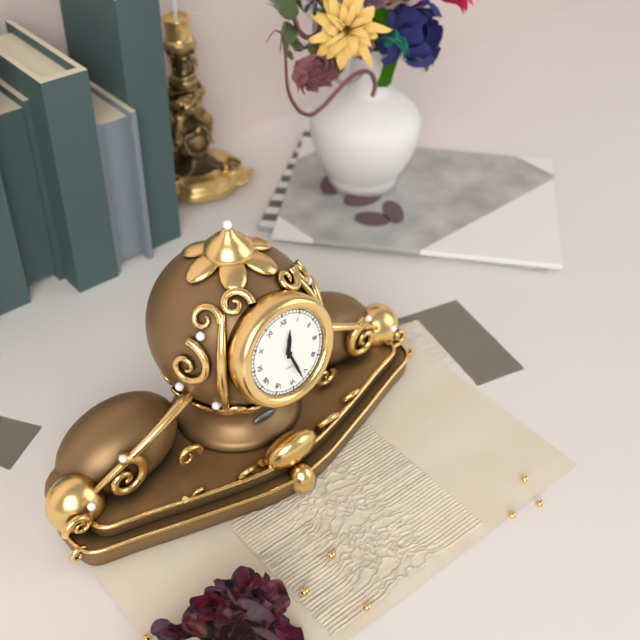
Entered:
12 h 27 min
